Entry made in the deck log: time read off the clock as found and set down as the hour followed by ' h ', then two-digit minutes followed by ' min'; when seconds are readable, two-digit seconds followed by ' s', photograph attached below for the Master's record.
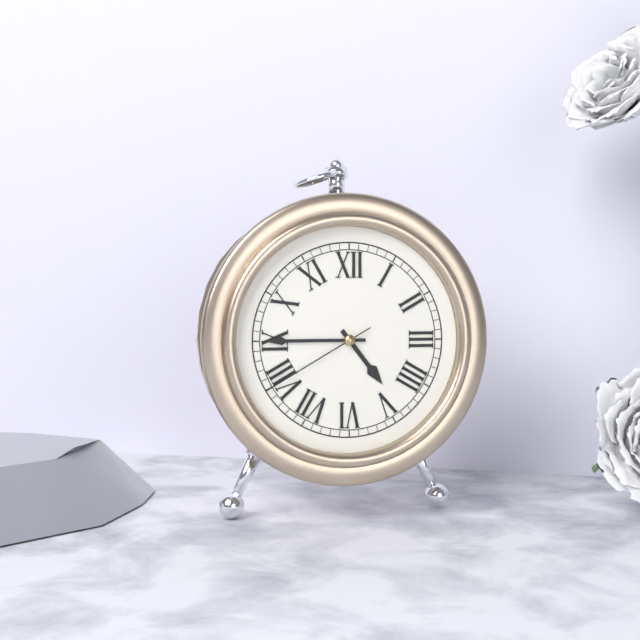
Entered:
4 h 45 min 40 s
